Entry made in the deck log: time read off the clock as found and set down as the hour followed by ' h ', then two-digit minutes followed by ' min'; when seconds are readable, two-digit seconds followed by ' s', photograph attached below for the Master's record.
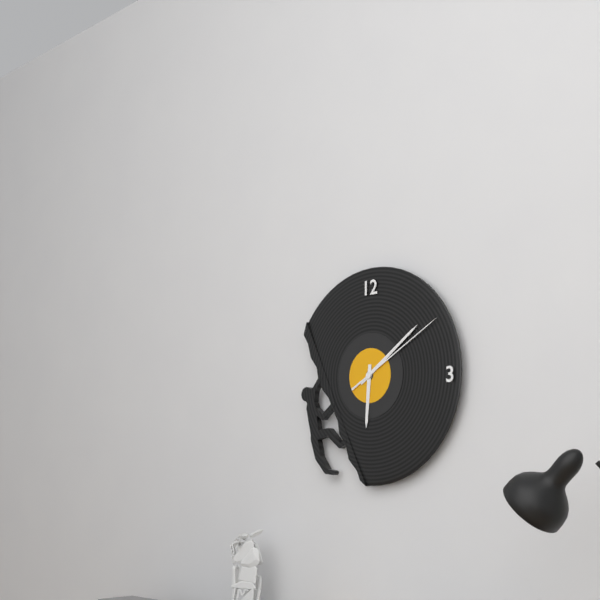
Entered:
6 h 09 min 10 s
